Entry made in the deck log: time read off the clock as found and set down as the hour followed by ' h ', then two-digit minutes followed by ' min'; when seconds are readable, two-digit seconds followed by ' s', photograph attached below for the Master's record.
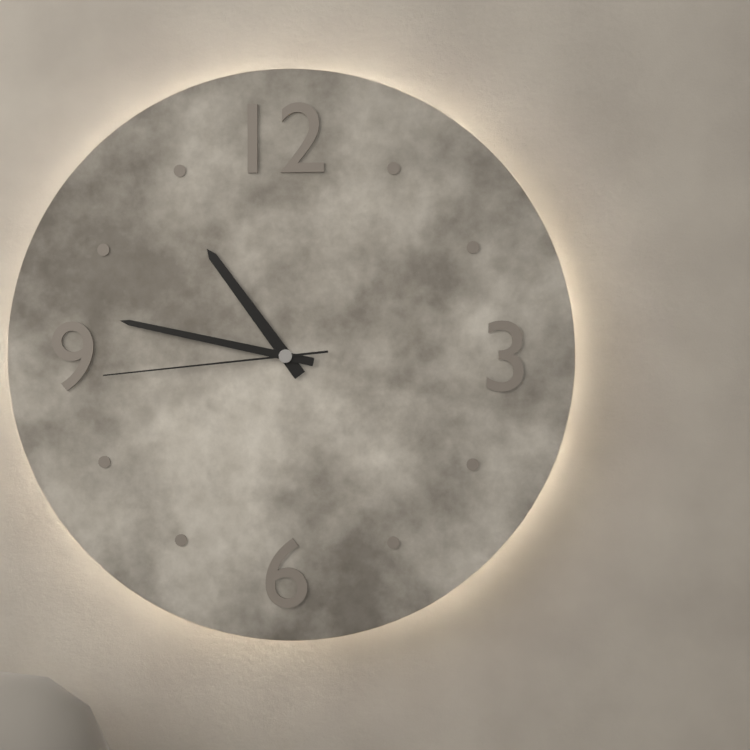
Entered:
10 h 47 min 44 s
